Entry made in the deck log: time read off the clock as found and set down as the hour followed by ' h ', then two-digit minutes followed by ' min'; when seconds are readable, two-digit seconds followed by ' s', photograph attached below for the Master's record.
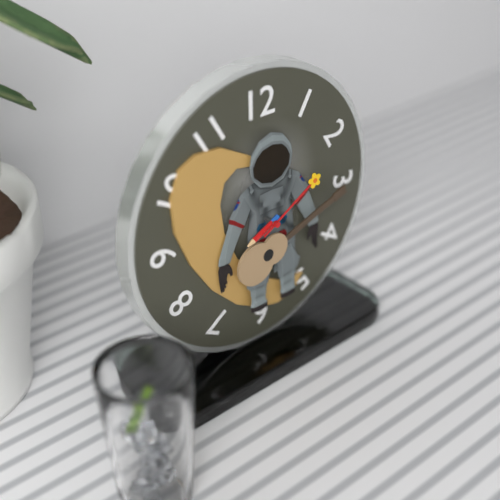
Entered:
8 h 10 min
